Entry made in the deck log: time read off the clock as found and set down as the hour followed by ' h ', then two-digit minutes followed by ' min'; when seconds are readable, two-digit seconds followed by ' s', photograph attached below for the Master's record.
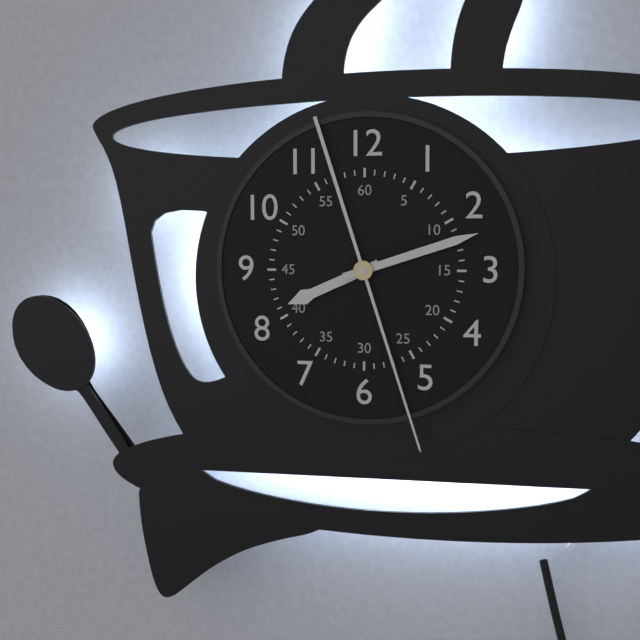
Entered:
8 h 12 min 27 s
